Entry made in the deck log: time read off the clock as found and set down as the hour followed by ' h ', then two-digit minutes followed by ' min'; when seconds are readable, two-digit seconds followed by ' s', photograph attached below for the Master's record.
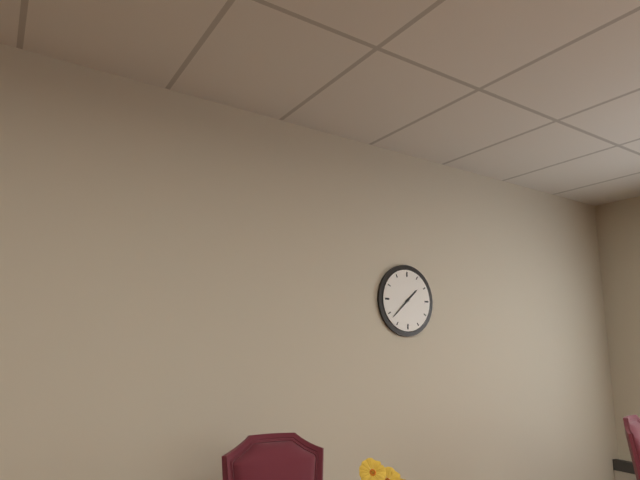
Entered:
1 h 38 min
